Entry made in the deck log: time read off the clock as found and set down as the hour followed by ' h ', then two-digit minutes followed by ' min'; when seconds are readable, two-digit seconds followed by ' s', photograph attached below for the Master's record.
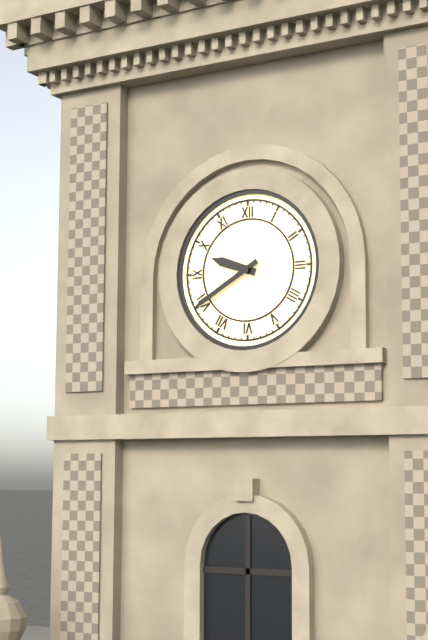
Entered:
9 h 40 min
